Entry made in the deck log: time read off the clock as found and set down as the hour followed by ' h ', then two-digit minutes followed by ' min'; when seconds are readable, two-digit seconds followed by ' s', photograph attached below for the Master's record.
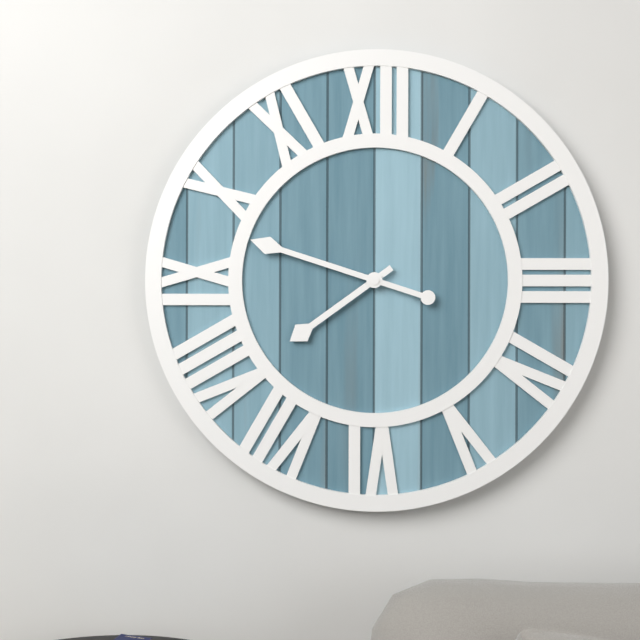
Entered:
7 h 48 min
